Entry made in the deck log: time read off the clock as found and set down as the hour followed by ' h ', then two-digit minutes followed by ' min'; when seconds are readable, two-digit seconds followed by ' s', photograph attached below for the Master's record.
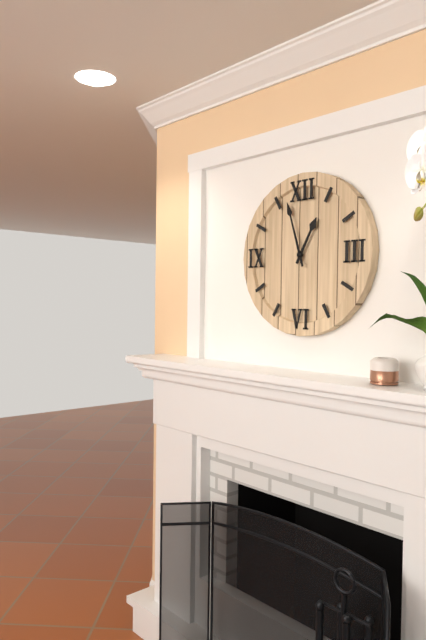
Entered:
12 h 57 min
